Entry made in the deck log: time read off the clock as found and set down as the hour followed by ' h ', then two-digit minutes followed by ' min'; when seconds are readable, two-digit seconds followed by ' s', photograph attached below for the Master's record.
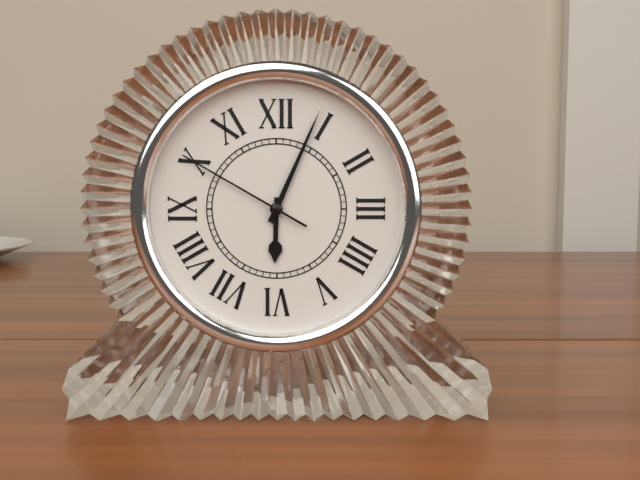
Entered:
6 h 04 min 50 s
